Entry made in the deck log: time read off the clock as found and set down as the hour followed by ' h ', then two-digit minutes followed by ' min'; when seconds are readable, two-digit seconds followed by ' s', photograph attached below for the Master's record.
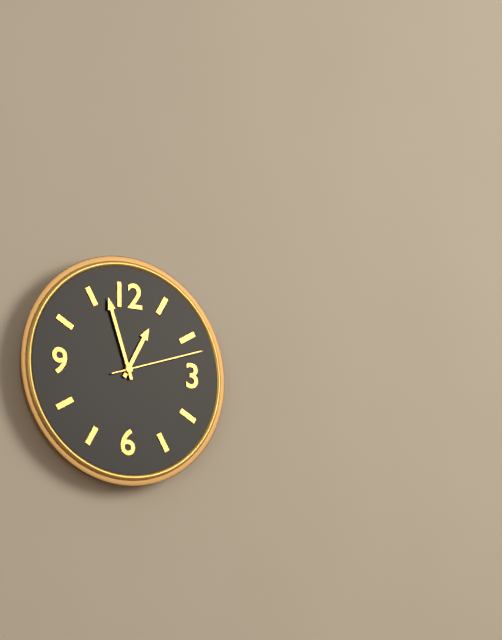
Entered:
12 h 57 min 12 s
